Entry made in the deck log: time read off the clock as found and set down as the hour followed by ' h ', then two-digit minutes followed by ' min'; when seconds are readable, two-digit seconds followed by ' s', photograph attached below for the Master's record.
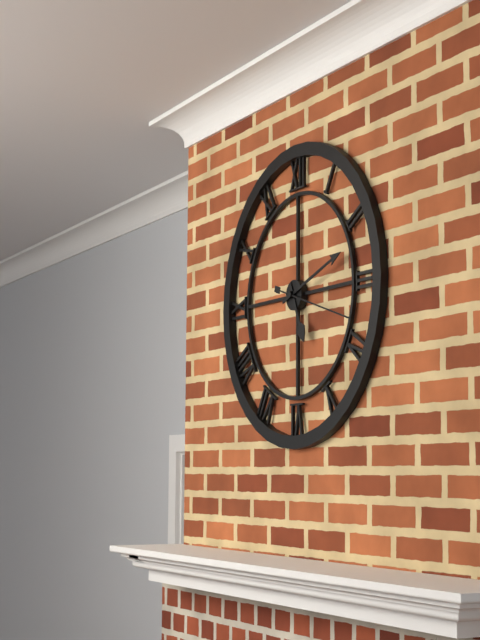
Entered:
5 h 12 min 18 s
